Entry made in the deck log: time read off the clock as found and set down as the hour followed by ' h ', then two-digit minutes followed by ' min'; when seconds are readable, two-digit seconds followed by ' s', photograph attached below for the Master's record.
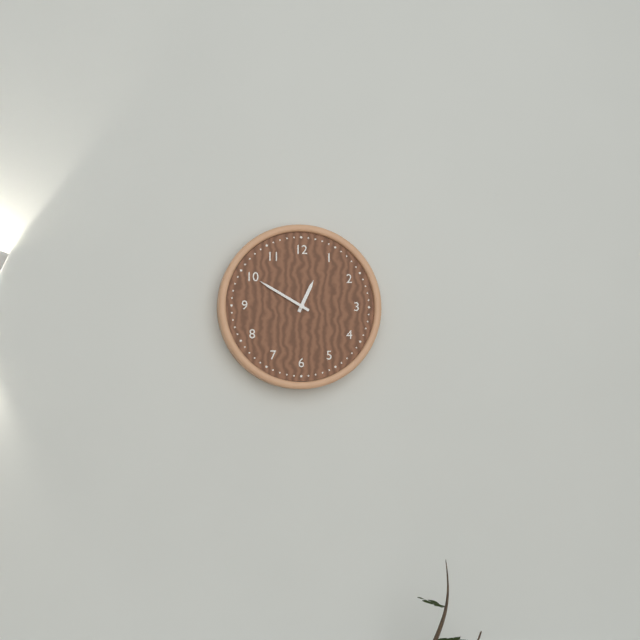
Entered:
12 h 50 min
